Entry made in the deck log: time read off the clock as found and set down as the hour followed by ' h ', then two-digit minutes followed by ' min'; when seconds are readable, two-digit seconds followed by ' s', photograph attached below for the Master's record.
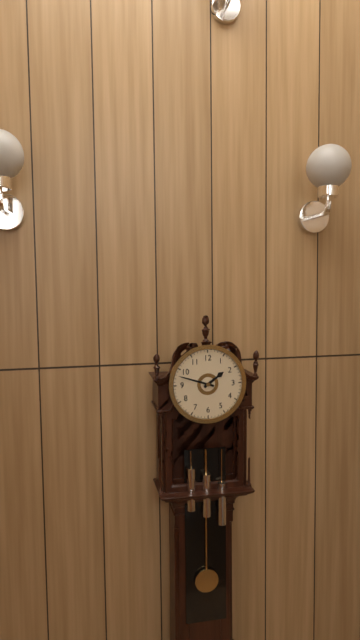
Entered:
1 h 48 min
